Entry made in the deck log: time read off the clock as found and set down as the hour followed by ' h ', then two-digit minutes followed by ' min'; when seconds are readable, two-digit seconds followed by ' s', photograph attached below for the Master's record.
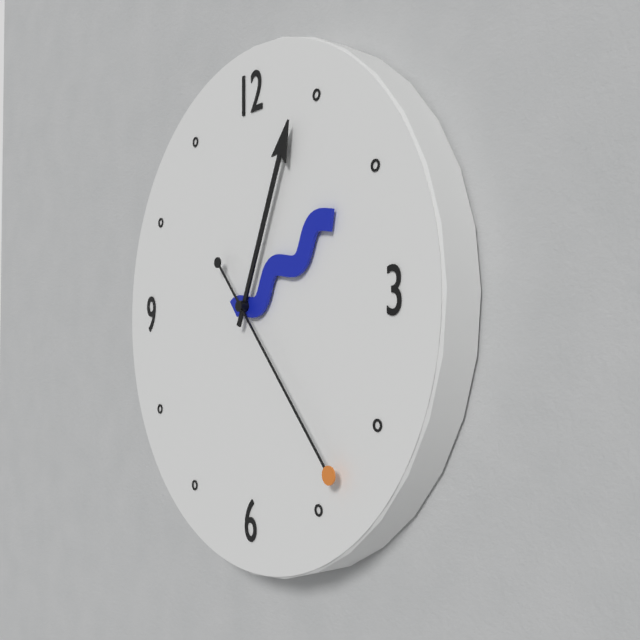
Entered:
2 h 04 min 23 s
